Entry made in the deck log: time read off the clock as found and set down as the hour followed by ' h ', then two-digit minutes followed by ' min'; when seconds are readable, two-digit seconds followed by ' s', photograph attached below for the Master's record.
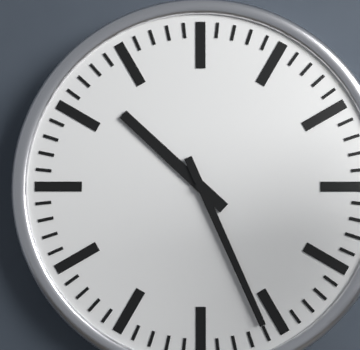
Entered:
10 h 26 min
